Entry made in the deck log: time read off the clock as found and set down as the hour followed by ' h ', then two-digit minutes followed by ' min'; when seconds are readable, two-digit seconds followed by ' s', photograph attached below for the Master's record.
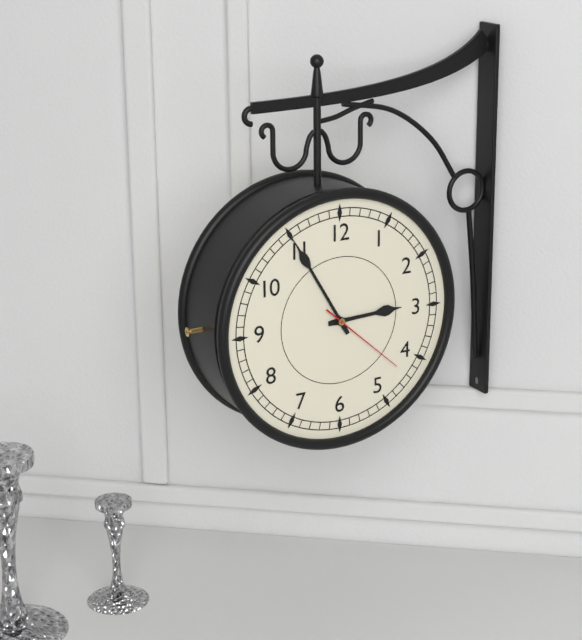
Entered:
2 h 55 min 22 s
